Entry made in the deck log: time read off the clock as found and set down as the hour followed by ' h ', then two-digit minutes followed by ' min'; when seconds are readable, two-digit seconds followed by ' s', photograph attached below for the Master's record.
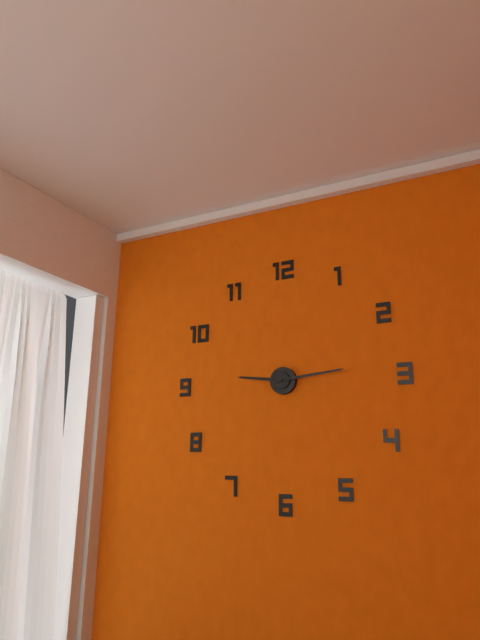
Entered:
9 h 14 min
